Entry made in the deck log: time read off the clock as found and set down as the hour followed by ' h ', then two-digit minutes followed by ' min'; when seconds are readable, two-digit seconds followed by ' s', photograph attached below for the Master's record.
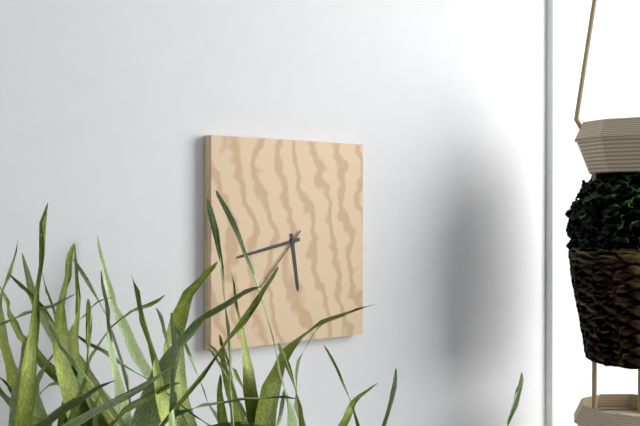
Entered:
5 h 43 min 37 s
